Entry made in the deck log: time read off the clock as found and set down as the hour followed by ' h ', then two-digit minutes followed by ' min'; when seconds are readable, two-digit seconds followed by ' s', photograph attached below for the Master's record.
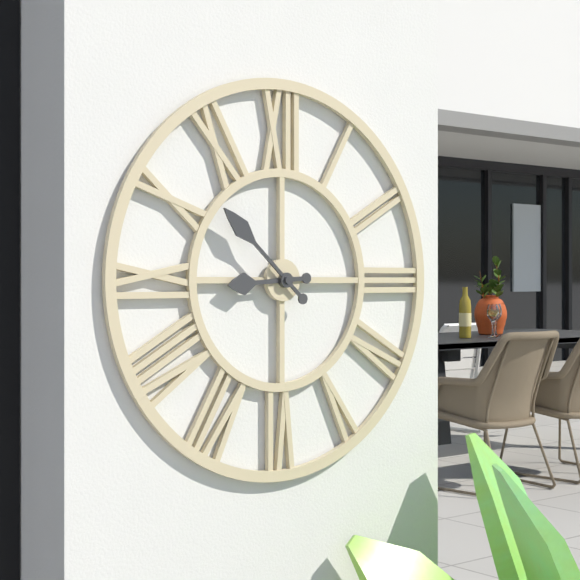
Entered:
8 h 52 min
